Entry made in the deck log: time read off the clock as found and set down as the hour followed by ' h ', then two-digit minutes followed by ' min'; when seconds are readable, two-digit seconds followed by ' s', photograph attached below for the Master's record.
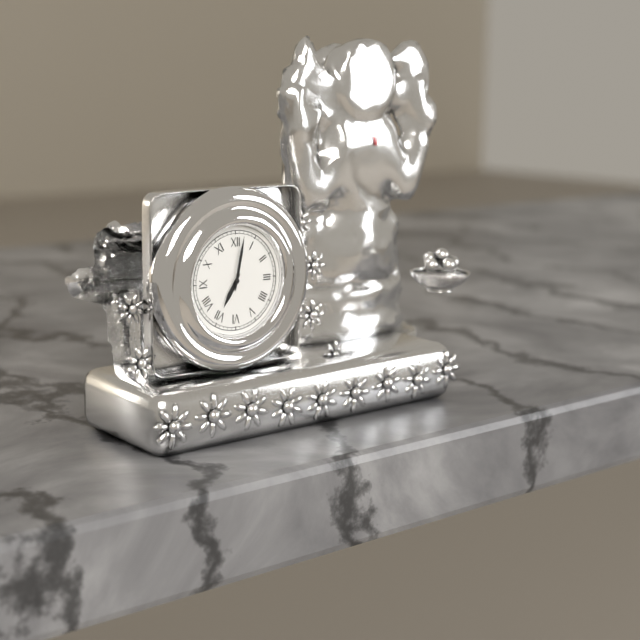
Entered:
7 h 02 min
